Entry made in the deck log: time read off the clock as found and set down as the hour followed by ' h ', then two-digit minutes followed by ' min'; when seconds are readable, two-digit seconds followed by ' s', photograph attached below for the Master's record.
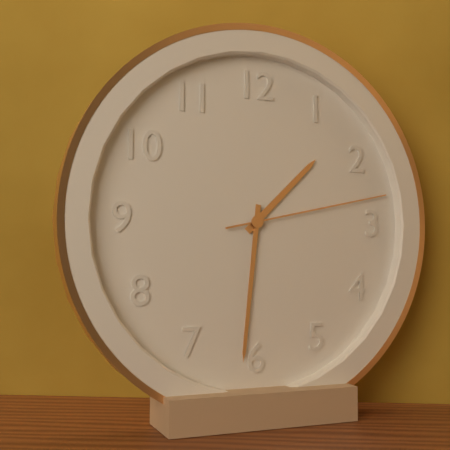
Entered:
1 h 31 min 13 s
